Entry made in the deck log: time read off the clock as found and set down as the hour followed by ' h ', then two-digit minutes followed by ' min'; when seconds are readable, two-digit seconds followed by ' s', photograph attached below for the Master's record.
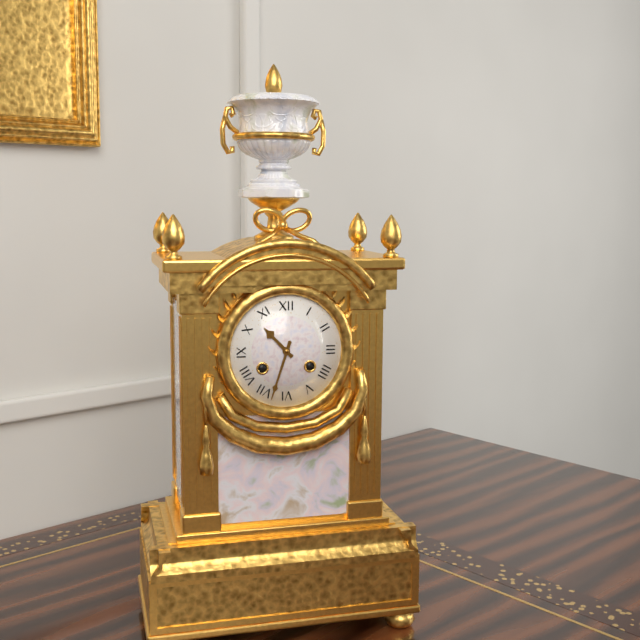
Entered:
10 h 33 min
